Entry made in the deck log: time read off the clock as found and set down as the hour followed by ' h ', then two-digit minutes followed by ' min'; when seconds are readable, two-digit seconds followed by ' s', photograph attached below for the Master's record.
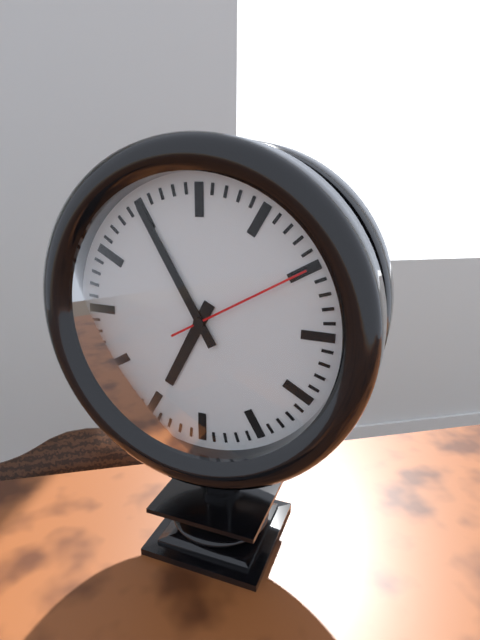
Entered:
6 h 55 min 10 s
